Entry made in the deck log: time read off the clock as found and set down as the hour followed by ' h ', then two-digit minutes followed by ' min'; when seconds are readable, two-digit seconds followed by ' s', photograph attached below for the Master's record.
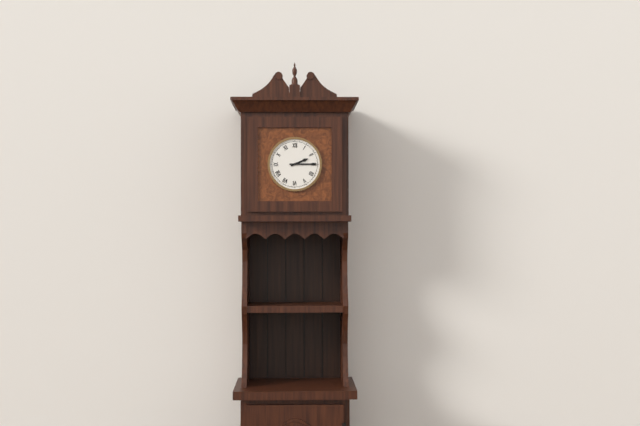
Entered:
2 h 15 min
